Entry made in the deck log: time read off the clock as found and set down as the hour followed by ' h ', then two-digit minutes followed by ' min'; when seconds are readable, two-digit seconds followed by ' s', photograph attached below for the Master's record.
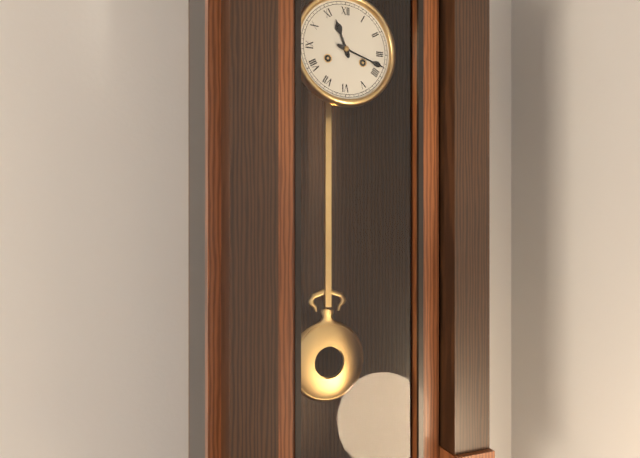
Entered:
11 h 18 min
